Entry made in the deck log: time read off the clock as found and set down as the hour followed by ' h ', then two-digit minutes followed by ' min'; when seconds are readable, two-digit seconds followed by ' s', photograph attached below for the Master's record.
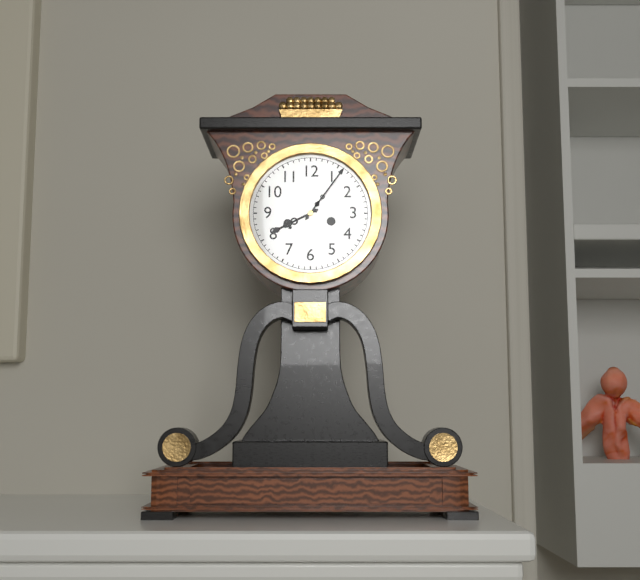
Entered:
8 h 06 min
